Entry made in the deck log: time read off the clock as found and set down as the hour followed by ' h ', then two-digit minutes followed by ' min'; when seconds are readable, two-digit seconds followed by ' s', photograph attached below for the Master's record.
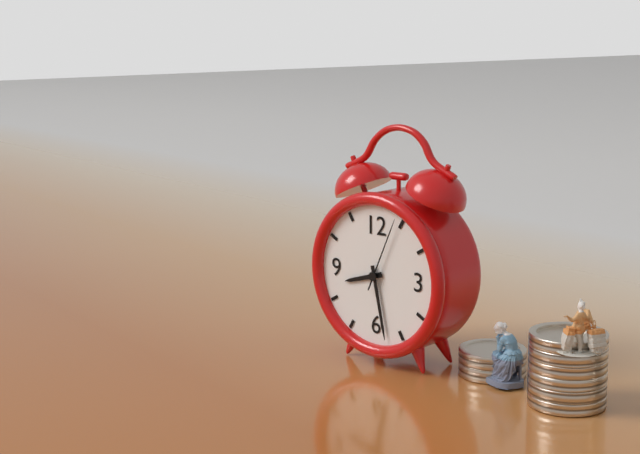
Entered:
8 h 28 min 04 s
